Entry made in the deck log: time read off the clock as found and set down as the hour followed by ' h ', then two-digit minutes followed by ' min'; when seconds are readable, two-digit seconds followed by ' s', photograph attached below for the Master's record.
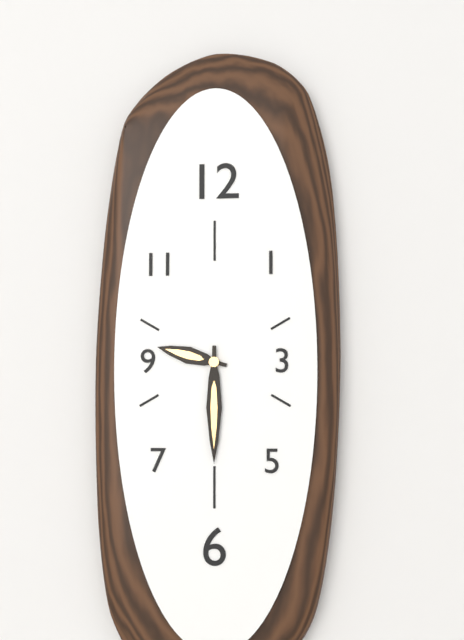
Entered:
9 h 30 min
